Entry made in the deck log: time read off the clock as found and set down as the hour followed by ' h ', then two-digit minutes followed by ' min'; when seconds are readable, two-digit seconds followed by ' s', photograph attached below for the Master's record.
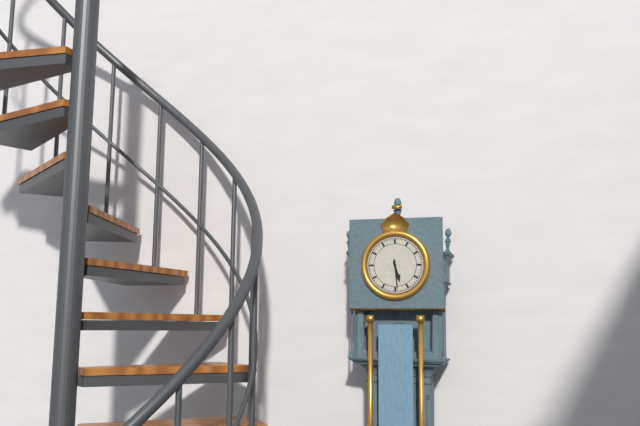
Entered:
5 h 29 min
